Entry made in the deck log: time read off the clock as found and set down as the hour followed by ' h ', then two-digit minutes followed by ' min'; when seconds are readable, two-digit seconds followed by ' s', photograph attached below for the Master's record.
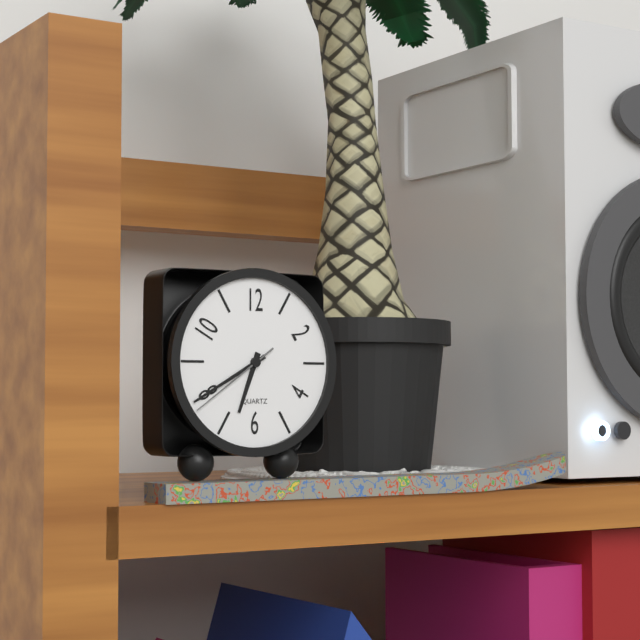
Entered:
6 h 40 min 39 s
